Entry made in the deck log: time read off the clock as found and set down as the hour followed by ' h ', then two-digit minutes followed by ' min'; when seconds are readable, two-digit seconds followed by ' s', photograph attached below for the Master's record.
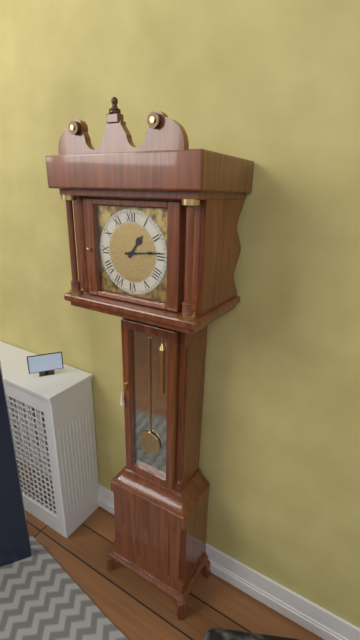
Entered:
1 h 14 min
